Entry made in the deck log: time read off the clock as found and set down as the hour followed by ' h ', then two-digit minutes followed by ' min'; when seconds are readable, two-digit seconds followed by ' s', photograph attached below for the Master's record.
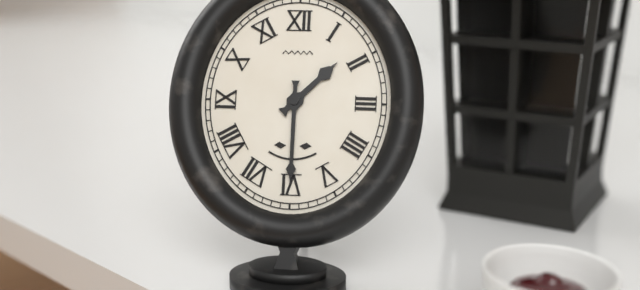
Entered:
1 h 30 min
